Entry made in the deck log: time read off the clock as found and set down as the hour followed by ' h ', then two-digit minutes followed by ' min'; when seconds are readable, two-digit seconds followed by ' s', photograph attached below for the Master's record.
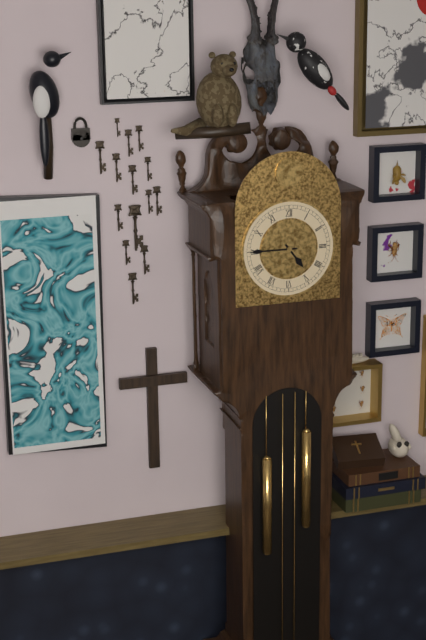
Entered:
4 h 45 min
